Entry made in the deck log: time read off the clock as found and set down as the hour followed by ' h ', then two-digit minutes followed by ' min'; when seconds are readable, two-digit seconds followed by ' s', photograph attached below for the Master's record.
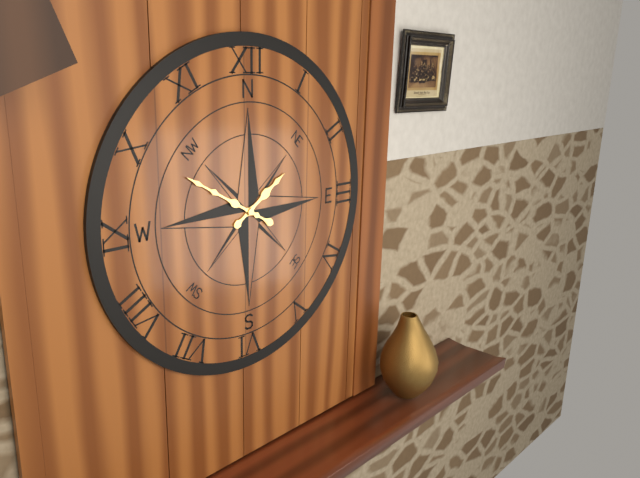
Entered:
1 h 50 min
